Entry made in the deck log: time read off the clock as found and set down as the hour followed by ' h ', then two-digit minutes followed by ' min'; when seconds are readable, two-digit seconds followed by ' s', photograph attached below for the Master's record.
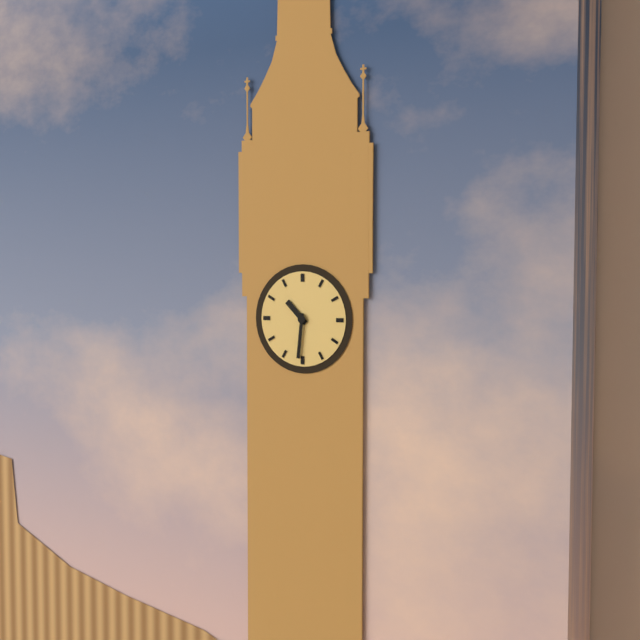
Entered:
10 h 31 min
